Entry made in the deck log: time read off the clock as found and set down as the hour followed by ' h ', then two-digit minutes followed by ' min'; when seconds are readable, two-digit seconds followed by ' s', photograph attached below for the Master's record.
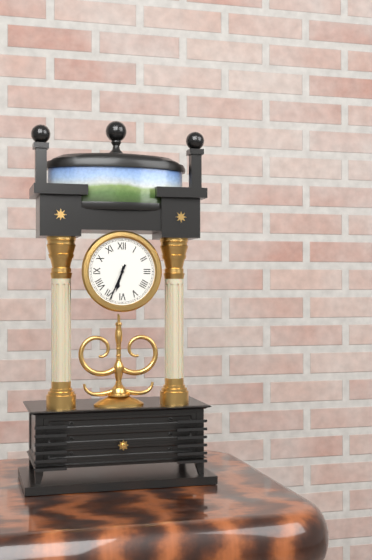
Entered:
6 h 34 min
